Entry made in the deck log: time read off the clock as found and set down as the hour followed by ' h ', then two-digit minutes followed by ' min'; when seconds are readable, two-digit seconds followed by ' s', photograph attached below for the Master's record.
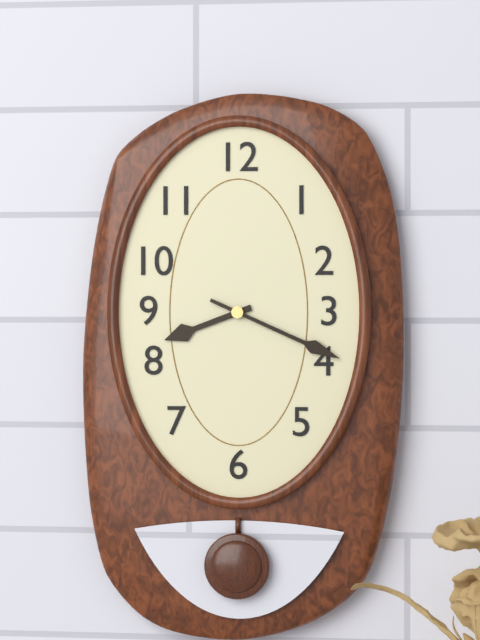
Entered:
8 h 19 min
